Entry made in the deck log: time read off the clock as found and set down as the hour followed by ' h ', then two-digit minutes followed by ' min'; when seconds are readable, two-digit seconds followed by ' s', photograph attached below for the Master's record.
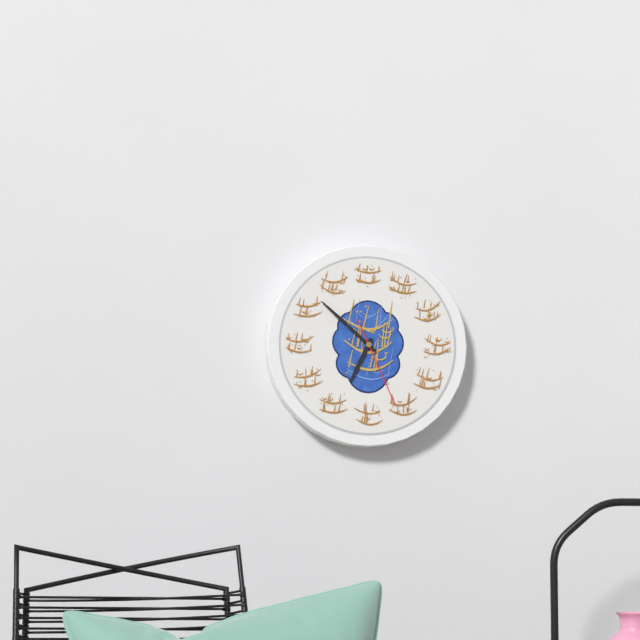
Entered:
6 h 52 min 26 s
